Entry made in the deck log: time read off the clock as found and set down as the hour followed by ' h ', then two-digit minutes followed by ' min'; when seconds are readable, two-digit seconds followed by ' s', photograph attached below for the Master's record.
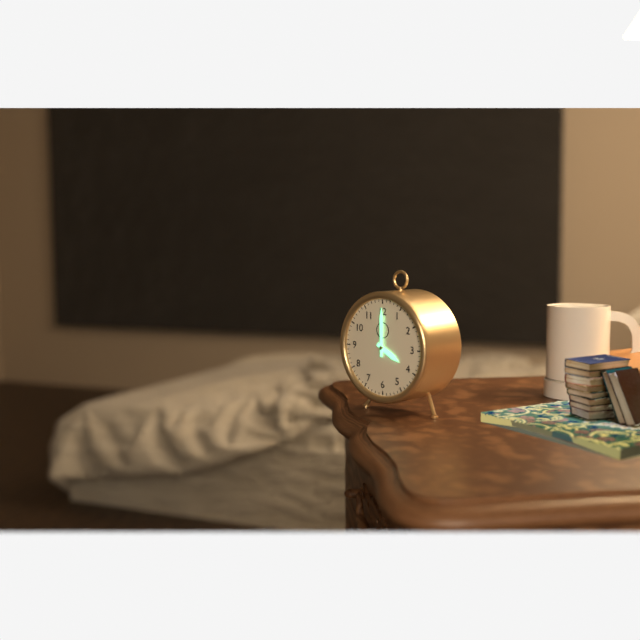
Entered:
4 h 00 min
